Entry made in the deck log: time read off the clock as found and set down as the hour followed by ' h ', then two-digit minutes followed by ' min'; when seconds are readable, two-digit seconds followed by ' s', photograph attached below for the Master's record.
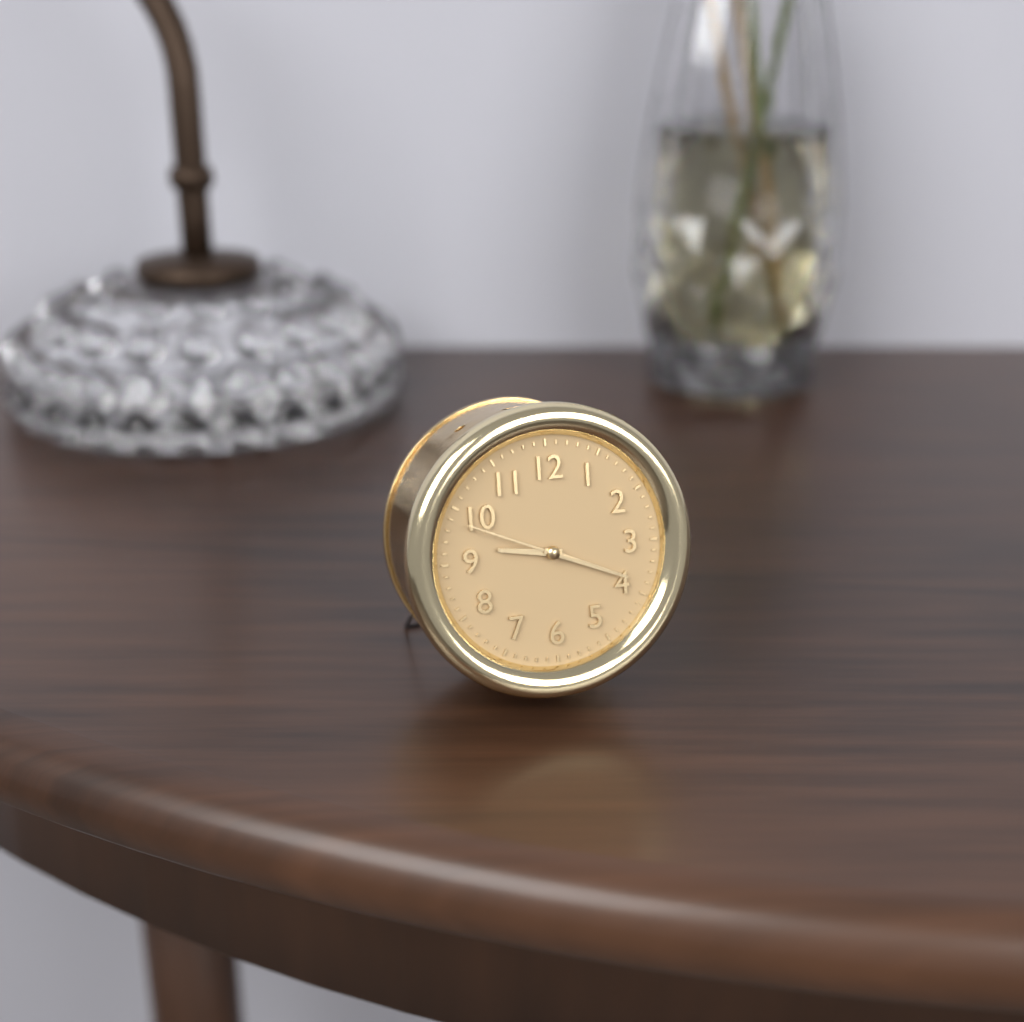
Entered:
9 h 19 min 49 s
